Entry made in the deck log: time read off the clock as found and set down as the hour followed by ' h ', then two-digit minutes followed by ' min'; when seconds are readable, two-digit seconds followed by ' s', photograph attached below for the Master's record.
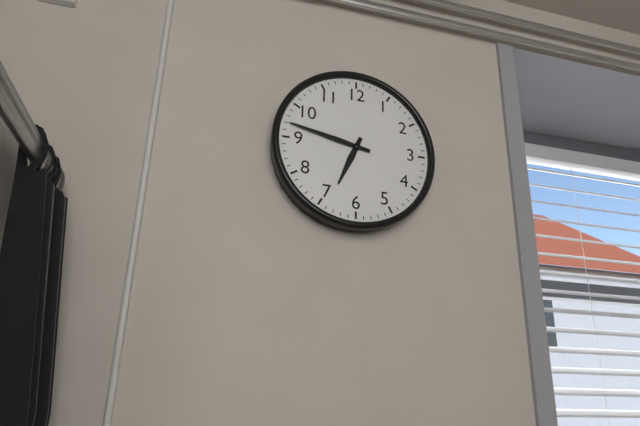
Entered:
6 h 47 min
